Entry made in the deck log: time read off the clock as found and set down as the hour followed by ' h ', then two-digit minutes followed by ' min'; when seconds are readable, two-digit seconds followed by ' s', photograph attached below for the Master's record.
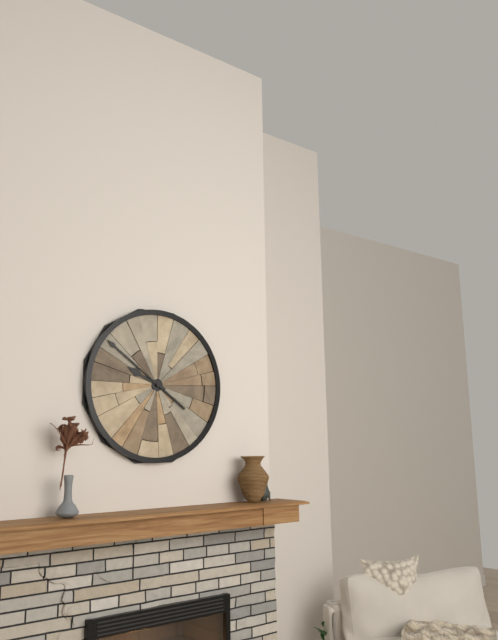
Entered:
9 h 51 min
